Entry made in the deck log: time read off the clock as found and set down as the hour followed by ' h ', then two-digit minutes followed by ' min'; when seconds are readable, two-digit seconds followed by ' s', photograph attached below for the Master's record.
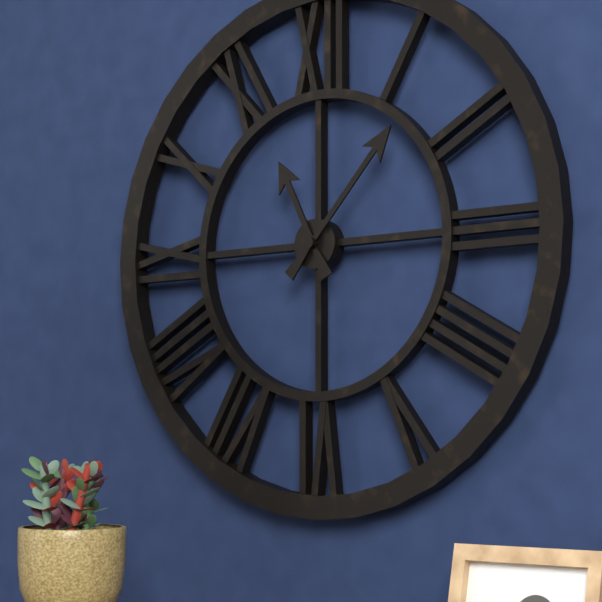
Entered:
11 h 07 min
